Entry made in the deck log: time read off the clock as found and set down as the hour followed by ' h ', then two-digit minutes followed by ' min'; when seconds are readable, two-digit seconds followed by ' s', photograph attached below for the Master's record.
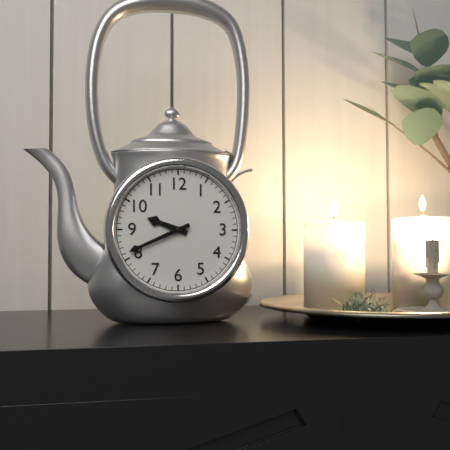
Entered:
9 h 41 min
